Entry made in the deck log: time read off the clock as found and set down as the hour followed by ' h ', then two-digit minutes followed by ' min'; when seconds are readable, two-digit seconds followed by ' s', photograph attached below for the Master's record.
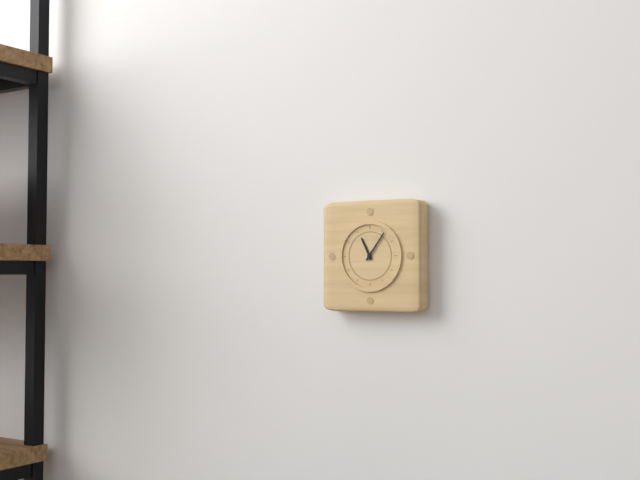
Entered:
11 h 06 min
